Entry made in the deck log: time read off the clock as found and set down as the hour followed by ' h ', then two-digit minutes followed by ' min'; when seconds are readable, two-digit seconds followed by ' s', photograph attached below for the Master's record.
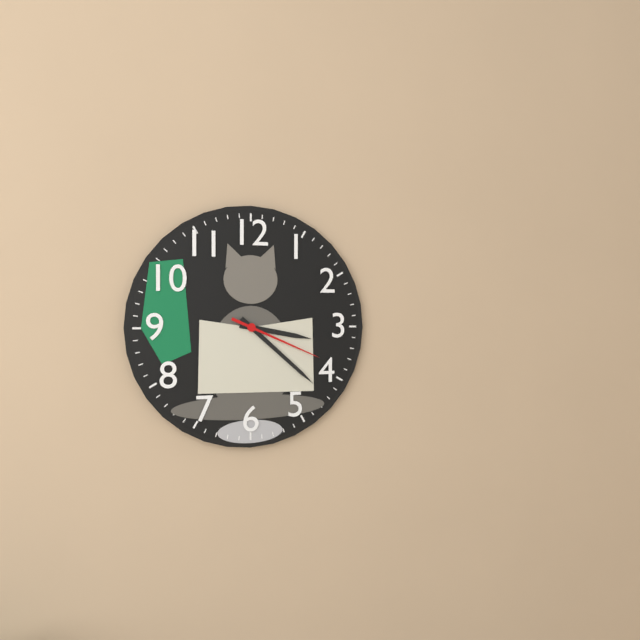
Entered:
3 h 22 min 19 s
